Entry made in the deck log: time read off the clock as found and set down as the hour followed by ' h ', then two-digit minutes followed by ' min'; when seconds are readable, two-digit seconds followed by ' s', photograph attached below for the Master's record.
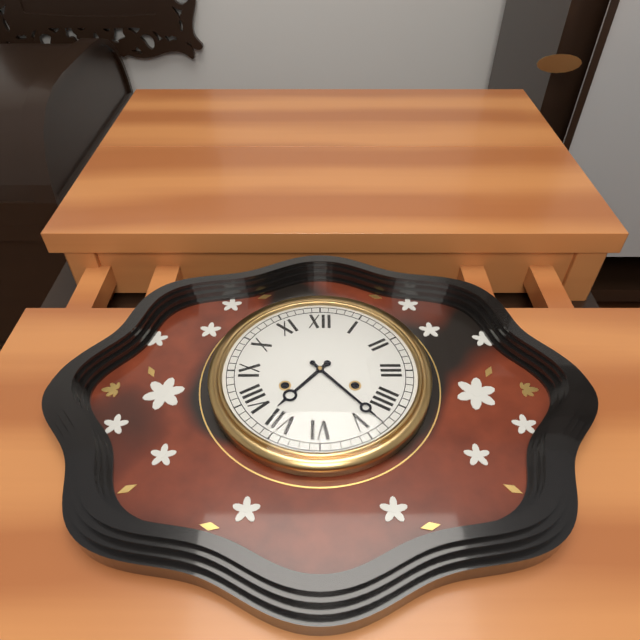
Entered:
7 h 23 min
